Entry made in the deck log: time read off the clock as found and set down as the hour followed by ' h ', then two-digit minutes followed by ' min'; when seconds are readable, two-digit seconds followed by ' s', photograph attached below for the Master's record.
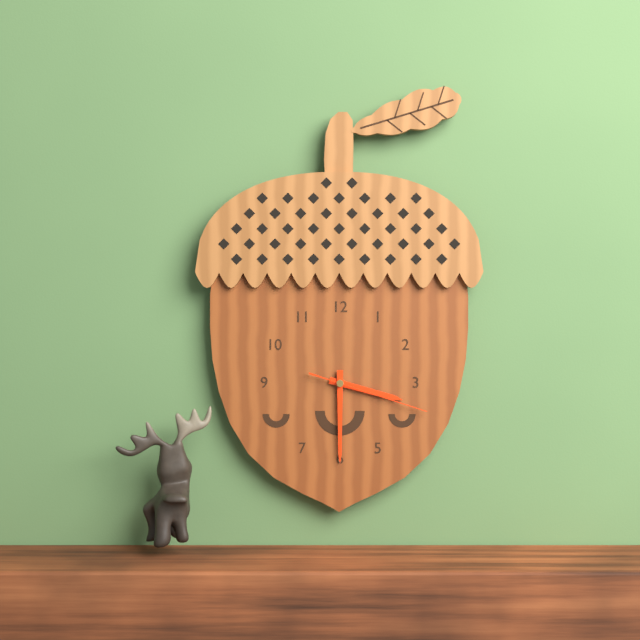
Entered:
3 h 30 min 18 s
